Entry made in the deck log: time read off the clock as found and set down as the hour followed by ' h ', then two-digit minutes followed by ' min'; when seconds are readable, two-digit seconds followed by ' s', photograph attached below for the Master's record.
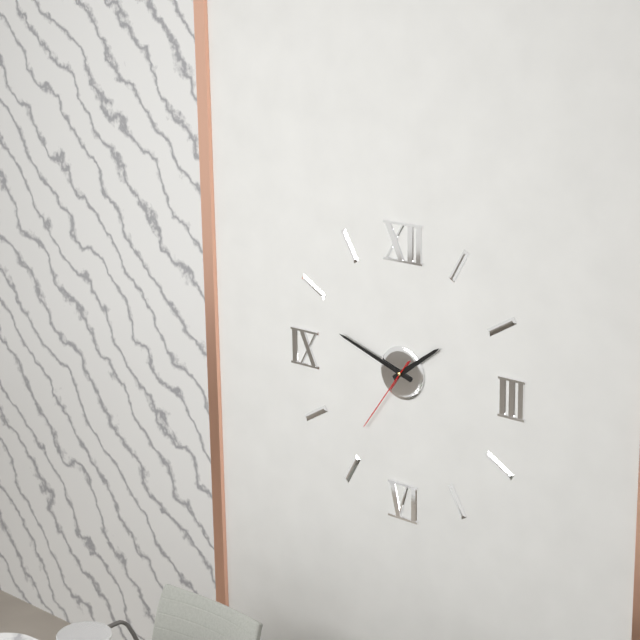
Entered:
1 h 48 min 36 s
